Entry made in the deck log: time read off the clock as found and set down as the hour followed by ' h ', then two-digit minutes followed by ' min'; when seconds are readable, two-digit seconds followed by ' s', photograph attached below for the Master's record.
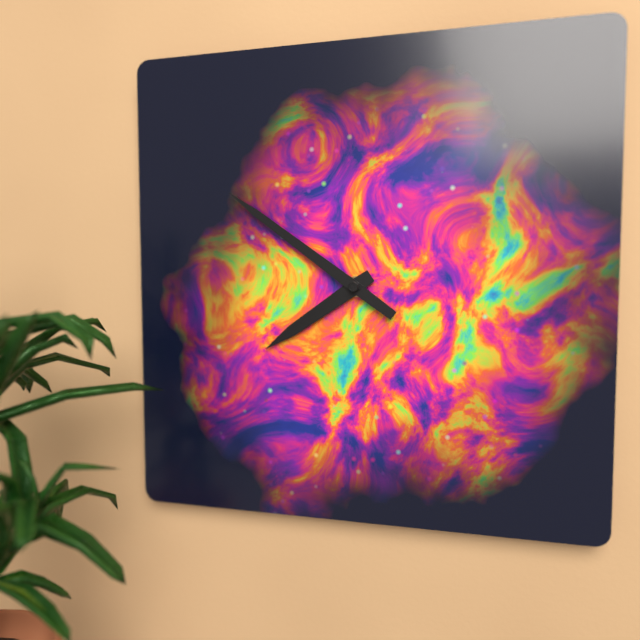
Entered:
7 h 51 min
